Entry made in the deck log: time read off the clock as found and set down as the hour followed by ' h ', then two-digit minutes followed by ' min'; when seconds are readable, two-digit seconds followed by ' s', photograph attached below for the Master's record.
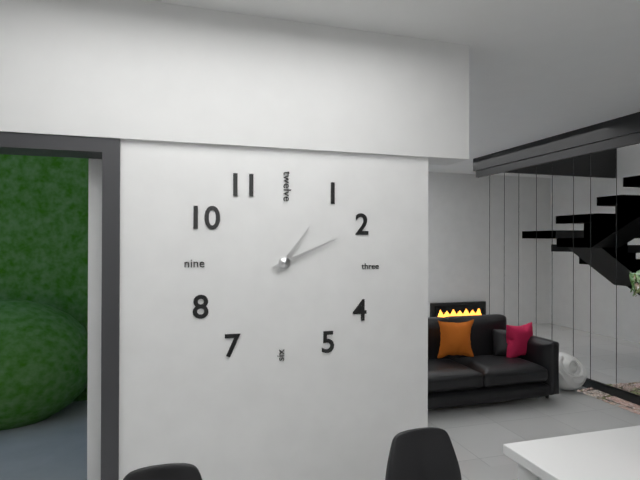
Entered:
1 h 11 min
